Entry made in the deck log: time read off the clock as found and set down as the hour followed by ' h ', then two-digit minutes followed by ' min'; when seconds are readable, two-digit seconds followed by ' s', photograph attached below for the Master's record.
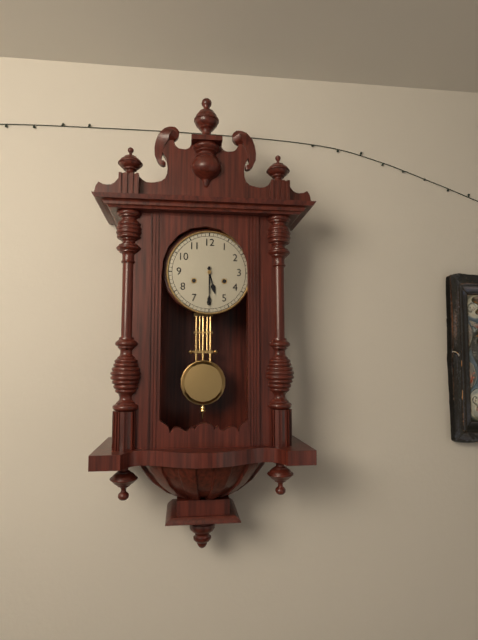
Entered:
5 h 30 min
